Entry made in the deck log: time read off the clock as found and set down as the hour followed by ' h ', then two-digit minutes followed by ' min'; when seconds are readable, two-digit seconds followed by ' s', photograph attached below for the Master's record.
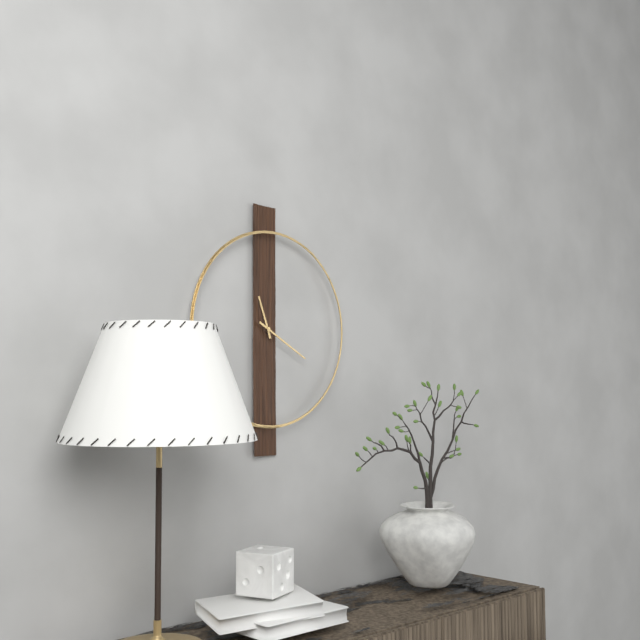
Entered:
11 h 20 min
